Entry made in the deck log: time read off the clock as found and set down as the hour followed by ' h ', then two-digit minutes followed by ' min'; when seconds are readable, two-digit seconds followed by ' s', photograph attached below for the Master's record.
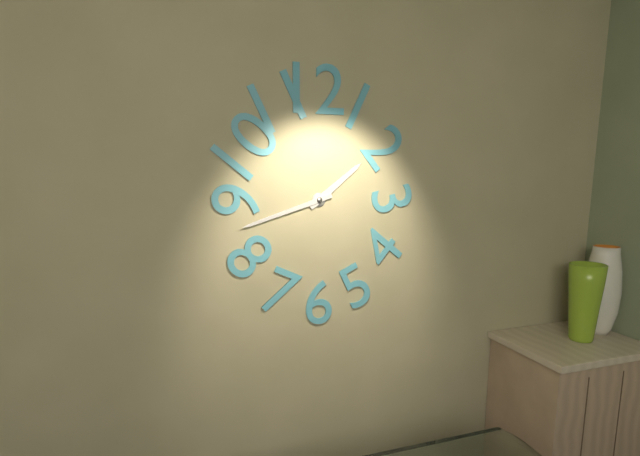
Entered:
1 h 42 min
